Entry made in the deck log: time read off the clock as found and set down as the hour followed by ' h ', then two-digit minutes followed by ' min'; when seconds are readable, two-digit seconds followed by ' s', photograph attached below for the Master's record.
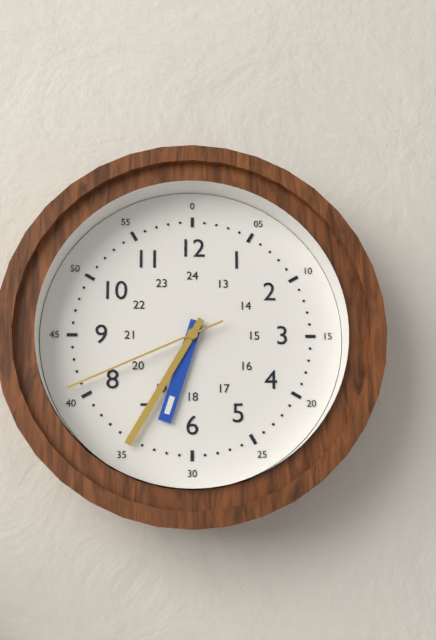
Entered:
6 h 35 min 41 s
